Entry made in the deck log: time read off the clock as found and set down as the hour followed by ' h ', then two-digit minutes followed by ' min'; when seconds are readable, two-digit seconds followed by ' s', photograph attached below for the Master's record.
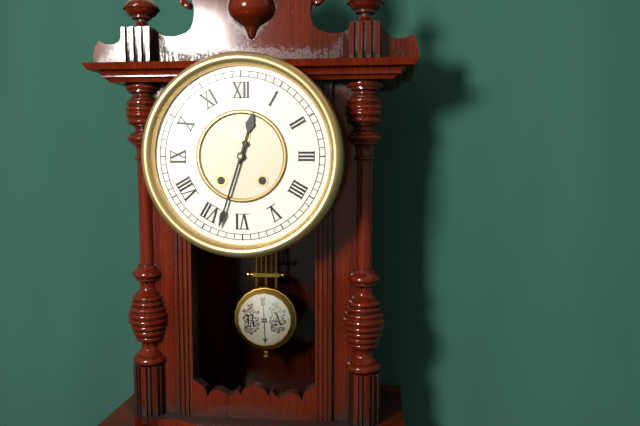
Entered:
12 h 33 min
